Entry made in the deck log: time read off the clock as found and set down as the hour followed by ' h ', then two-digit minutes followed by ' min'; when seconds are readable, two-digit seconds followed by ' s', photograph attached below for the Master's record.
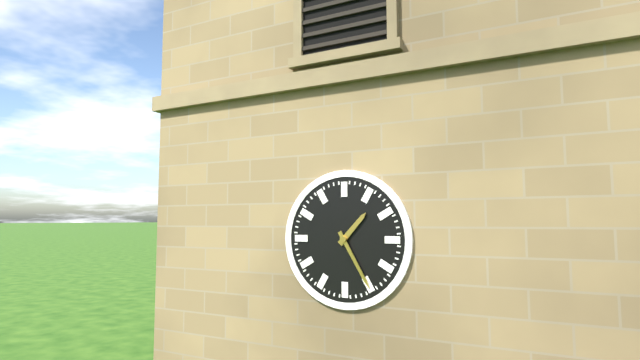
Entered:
1 h 25 min
